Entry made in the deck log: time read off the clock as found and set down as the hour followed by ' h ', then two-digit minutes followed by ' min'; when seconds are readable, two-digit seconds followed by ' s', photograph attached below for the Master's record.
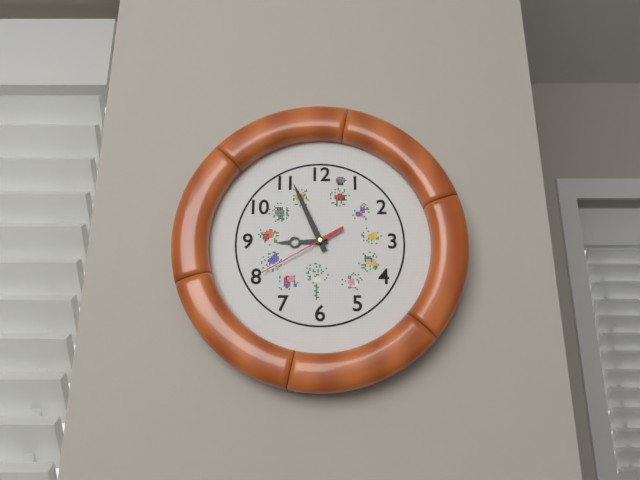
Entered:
8 h 56 min 40 s
